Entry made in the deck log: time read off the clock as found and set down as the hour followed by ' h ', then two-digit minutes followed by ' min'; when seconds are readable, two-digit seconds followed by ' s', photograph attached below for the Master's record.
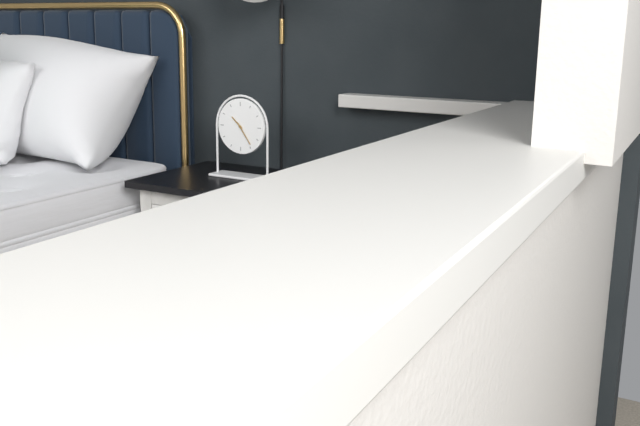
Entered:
10 h 24 min
